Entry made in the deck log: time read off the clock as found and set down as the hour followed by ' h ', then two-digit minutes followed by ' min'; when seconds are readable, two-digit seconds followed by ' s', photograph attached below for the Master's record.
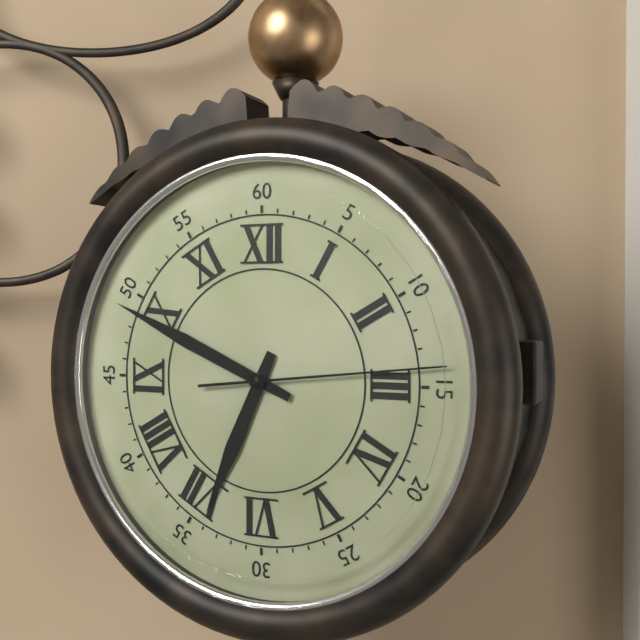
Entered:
6 h 49 min 14 s
